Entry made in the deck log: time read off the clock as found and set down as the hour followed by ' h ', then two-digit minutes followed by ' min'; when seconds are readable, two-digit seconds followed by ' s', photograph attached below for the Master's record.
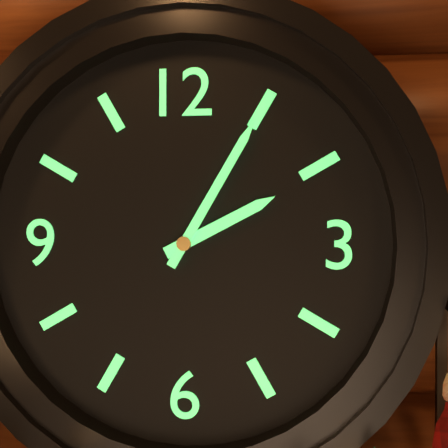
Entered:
2 h 05 min
